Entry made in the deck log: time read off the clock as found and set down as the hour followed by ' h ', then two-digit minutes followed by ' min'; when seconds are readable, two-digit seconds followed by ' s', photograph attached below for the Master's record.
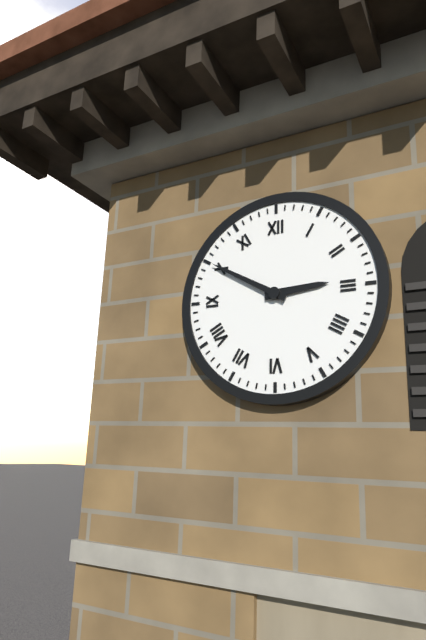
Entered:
2 h 50 min
